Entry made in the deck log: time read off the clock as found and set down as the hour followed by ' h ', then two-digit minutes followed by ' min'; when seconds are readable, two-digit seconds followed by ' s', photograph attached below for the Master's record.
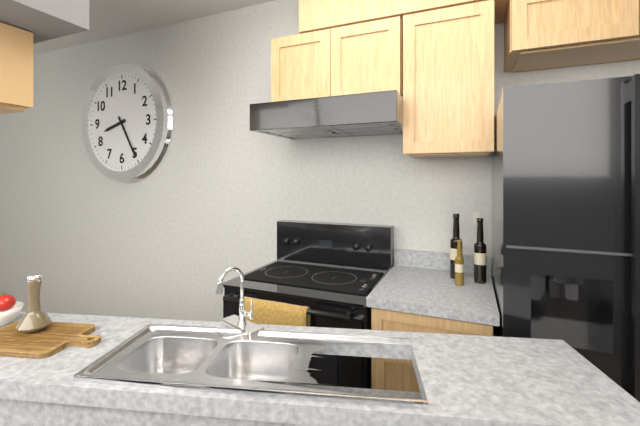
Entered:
8 h 25 min
